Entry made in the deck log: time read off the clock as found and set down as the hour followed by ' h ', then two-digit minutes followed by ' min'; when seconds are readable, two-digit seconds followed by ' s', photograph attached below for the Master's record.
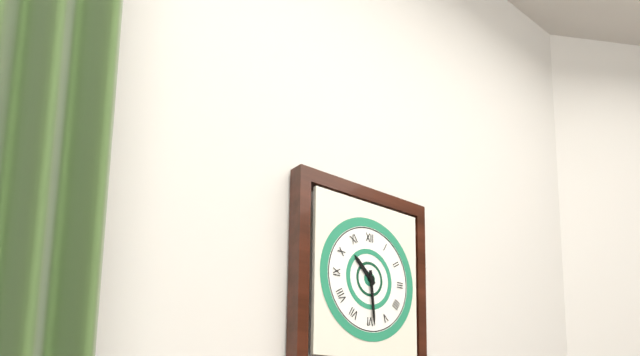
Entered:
10 h 29 min
